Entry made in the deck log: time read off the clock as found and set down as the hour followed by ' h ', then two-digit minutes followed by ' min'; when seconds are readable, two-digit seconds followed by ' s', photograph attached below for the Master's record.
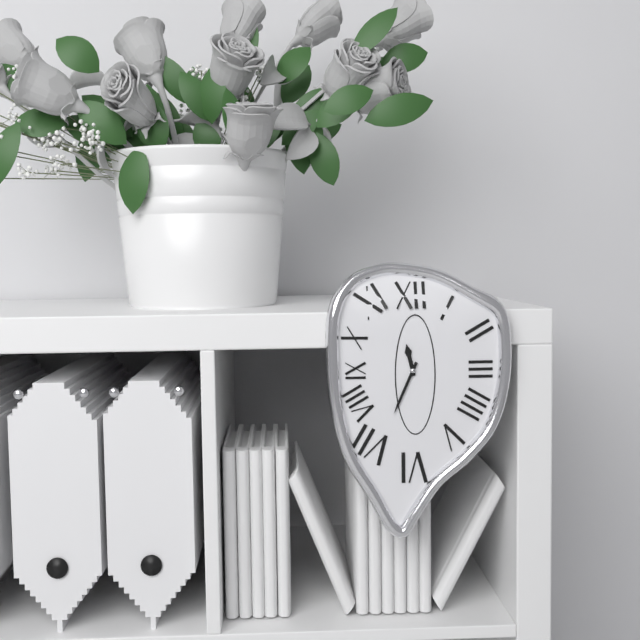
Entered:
11 h 34 min
